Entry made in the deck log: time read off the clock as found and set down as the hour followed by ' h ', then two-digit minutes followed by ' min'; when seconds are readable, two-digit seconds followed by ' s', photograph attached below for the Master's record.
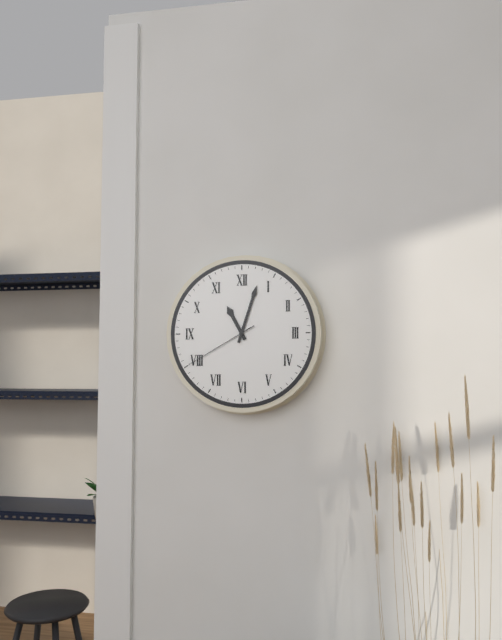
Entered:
11 h 03 min 40 s
